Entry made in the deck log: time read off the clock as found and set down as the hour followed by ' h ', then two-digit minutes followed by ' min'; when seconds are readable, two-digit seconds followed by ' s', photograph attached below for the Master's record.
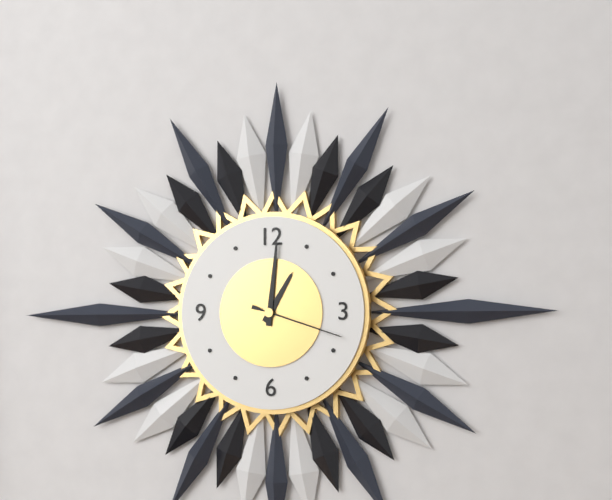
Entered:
1 h 01 min 18 s
